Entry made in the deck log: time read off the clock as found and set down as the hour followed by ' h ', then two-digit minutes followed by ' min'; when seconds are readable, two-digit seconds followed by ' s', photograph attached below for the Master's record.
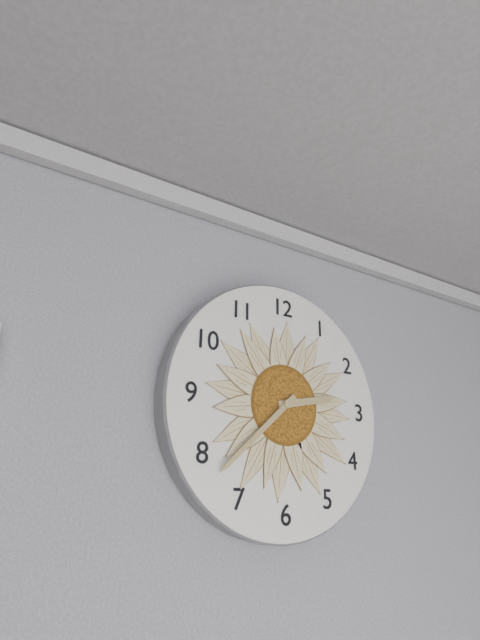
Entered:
2 h 38 min
